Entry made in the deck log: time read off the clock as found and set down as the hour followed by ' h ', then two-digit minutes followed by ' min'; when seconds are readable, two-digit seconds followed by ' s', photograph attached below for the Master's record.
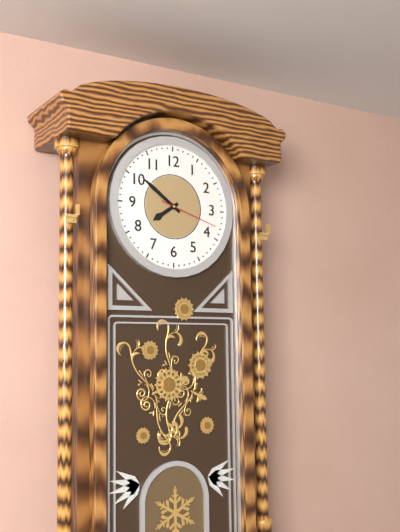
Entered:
7 h 51 min 18 s
